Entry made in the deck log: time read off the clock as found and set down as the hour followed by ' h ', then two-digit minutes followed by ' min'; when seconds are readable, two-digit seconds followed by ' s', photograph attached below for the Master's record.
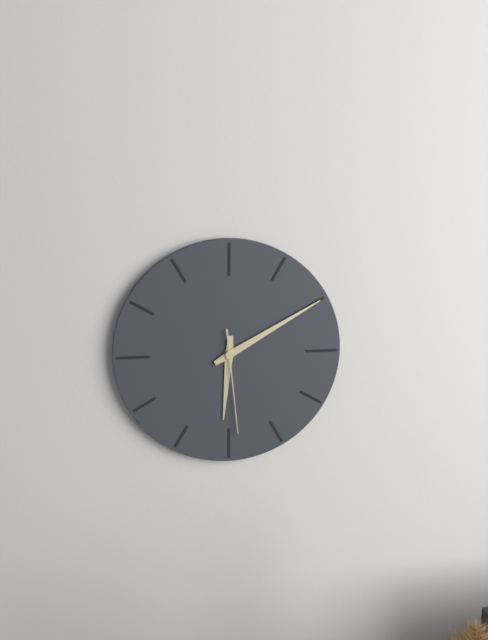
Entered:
6 h 10 min 29 s
